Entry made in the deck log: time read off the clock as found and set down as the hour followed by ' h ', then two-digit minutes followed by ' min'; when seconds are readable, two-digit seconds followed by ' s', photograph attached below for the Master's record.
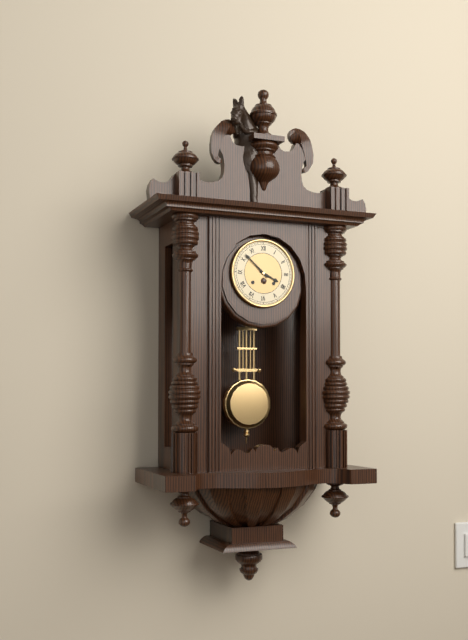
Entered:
3 h 52 min
